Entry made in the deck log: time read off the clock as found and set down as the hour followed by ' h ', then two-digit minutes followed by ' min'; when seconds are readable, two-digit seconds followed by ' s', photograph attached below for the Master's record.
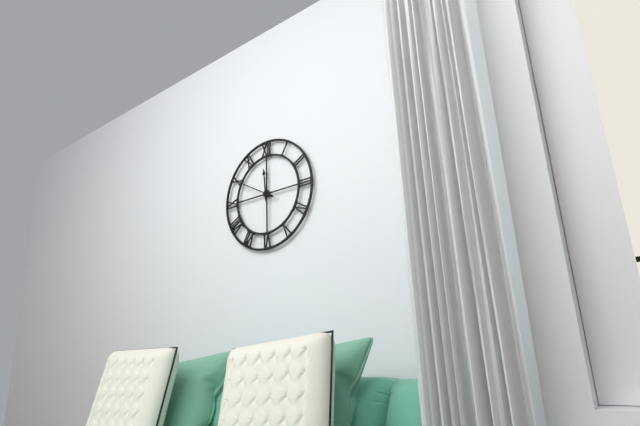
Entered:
11 h 50 min
